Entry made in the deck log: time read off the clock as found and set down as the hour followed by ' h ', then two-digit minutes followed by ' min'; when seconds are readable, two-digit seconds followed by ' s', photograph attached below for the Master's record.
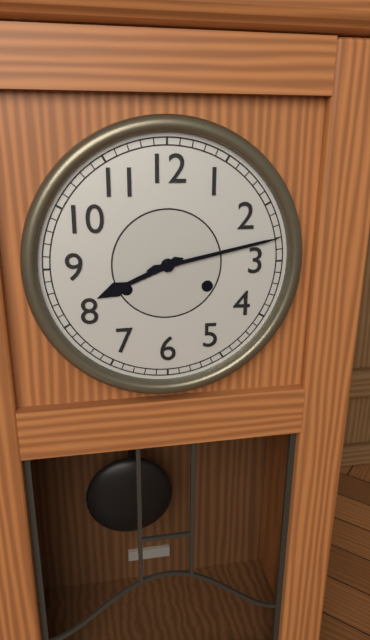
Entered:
8 h 13 min
